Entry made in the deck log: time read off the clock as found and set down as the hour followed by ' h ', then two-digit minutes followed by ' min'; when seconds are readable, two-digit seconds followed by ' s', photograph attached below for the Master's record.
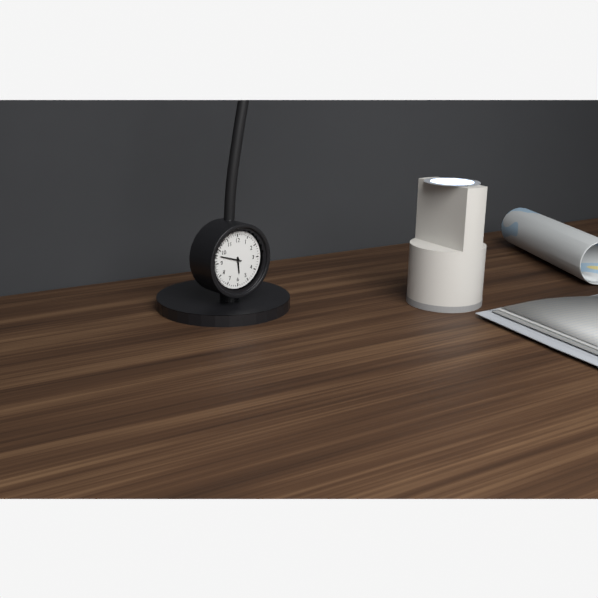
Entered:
5 h 48 min
